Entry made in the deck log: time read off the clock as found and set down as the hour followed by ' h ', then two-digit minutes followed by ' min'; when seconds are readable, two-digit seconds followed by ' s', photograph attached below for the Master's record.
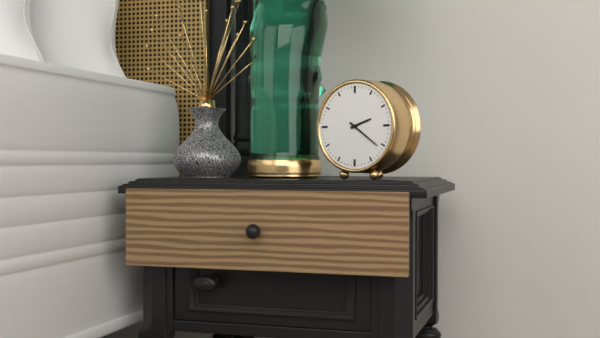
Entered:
2 h 21 min
